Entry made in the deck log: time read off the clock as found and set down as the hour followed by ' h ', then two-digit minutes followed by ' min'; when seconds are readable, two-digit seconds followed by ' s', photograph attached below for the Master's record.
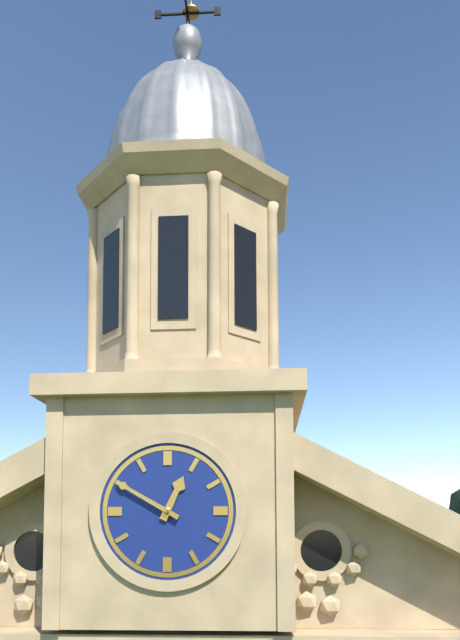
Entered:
12 h 50 min
